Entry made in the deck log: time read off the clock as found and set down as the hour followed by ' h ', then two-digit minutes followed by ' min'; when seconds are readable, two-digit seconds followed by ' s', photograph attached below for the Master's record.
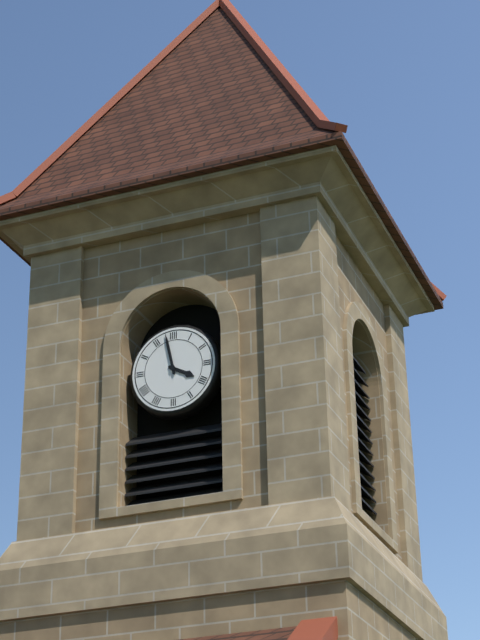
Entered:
3 h 58 min
